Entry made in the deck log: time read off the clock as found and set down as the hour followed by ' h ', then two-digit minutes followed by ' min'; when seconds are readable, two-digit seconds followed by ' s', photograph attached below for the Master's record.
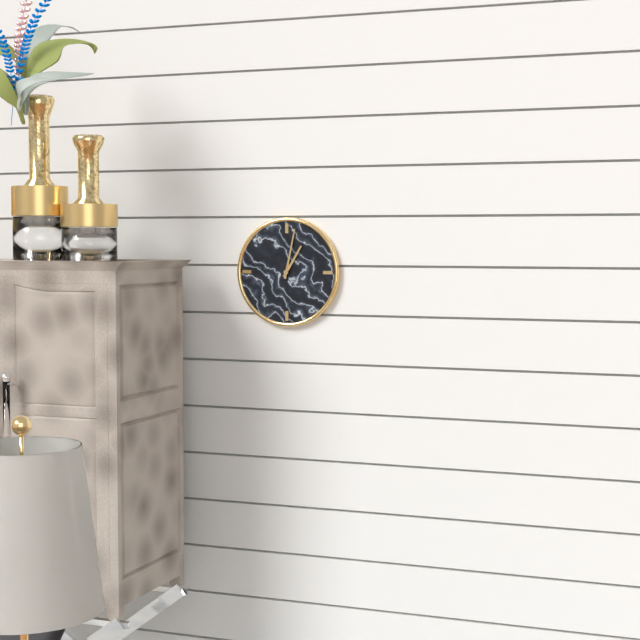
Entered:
1 h 02 min
